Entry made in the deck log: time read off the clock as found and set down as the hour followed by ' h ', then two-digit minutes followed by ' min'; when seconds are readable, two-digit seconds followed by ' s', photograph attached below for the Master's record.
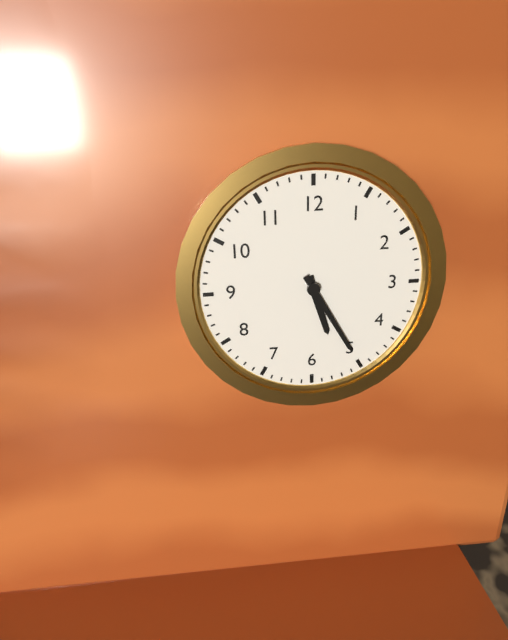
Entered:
5 h 25 min
